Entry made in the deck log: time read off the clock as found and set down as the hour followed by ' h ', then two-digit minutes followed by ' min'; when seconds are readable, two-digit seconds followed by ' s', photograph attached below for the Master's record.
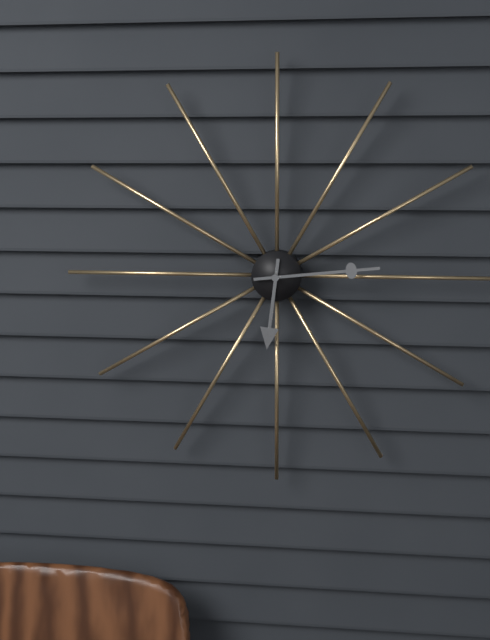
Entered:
6 h 14 min
